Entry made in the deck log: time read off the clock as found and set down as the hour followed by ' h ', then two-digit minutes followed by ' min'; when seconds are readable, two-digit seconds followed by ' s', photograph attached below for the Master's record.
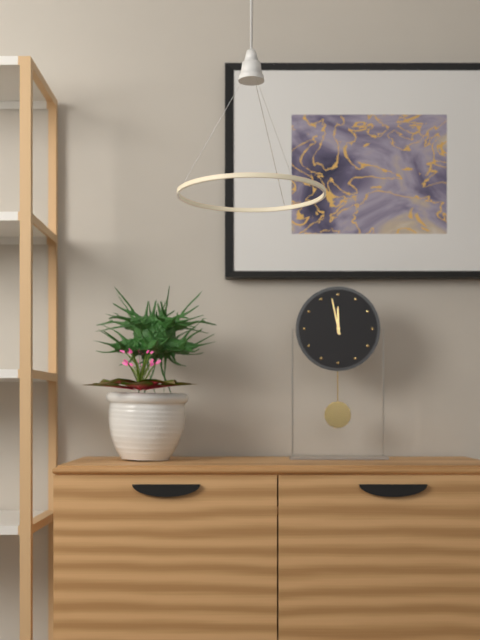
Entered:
11 h 58 min
